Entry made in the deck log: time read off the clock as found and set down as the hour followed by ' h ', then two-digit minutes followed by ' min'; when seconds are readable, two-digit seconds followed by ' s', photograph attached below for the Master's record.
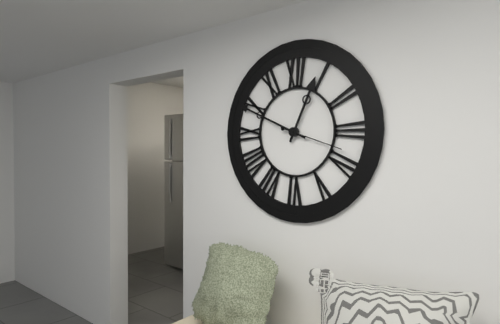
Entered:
12 h 49 min 18 s
